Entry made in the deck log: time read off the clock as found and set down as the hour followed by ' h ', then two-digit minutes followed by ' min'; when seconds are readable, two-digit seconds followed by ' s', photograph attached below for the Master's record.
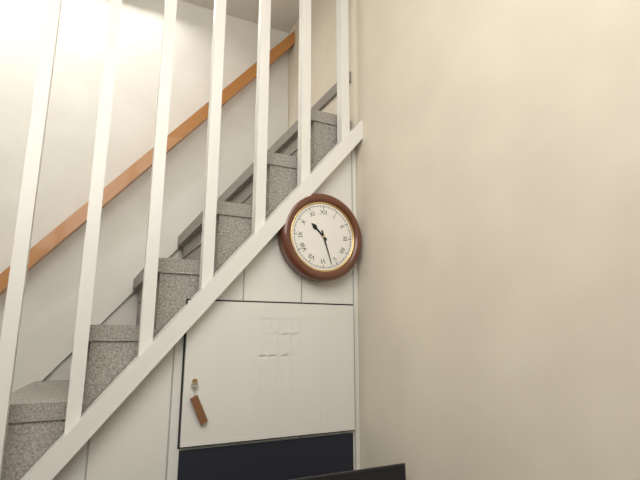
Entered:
10 h 27 min
